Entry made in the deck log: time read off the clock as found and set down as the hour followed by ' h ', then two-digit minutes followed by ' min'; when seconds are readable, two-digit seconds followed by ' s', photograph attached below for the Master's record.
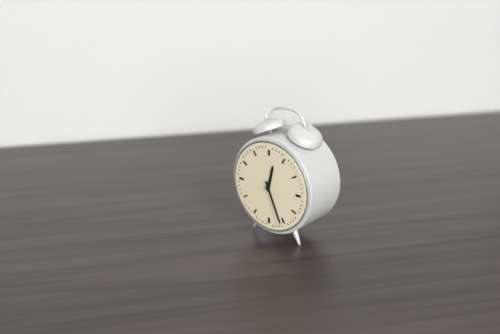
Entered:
12 h 26 min
